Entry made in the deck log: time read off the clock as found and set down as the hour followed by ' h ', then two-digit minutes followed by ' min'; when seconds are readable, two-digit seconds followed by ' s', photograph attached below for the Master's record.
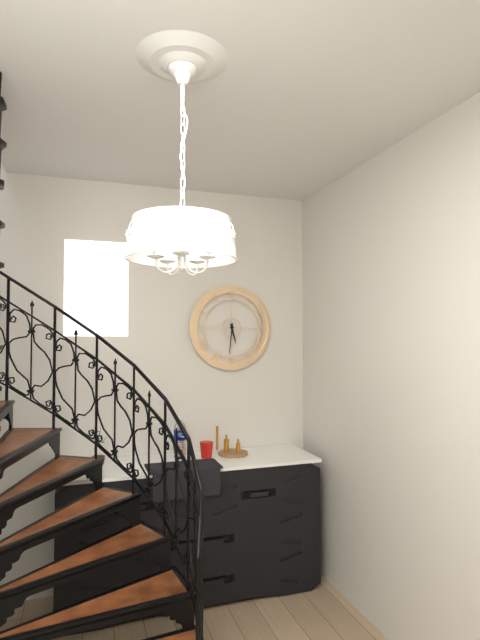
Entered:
5 h 31 min
